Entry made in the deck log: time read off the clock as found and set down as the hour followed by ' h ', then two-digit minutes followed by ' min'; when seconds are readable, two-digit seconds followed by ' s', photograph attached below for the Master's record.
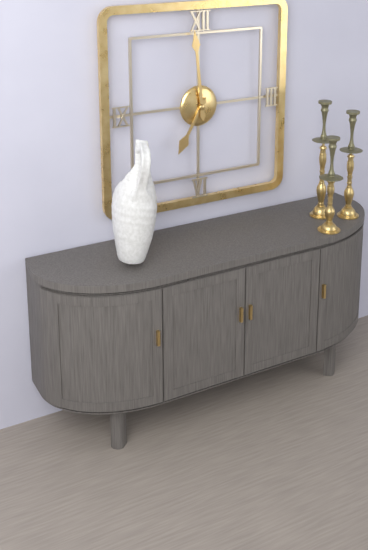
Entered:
6 h 59 min
